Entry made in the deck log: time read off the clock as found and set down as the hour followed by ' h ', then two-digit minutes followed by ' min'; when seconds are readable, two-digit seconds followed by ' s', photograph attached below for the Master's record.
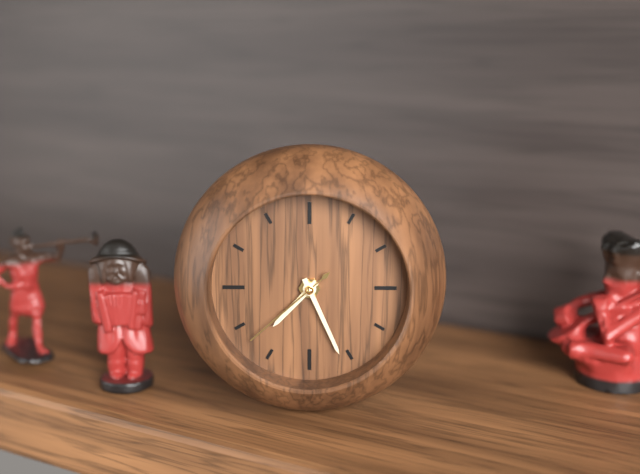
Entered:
7 h 26 min 38 s
